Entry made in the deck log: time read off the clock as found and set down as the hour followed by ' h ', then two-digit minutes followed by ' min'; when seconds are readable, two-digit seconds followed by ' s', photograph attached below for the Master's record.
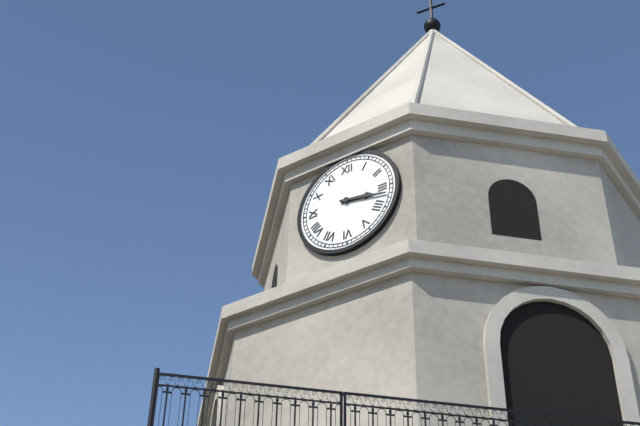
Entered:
3 h 17 min
